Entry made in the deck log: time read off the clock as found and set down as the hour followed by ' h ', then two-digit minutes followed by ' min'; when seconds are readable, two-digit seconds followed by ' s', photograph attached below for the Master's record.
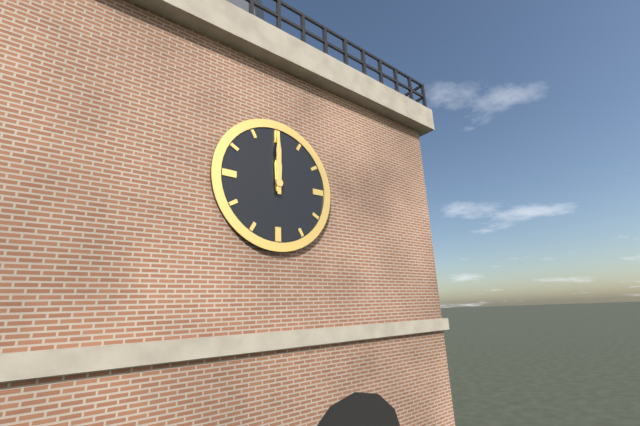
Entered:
12 h 00 min
